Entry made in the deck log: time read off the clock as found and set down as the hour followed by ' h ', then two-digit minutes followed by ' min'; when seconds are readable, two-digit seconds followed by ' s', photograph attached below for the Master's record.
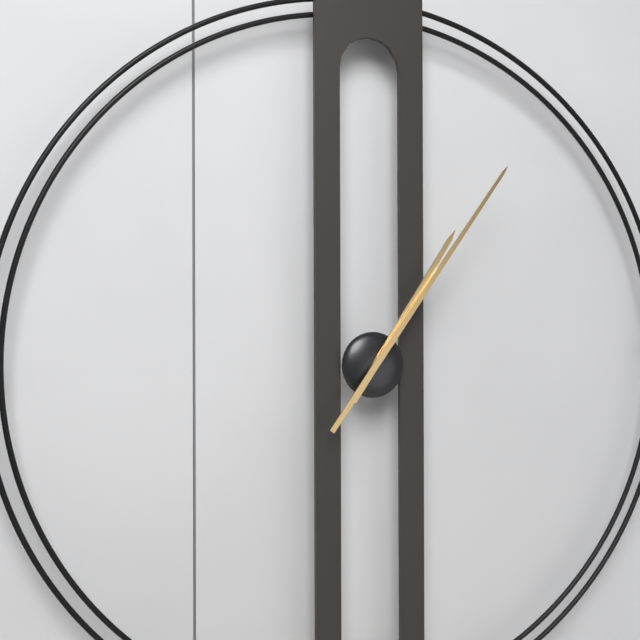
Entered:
1 h 06 min
